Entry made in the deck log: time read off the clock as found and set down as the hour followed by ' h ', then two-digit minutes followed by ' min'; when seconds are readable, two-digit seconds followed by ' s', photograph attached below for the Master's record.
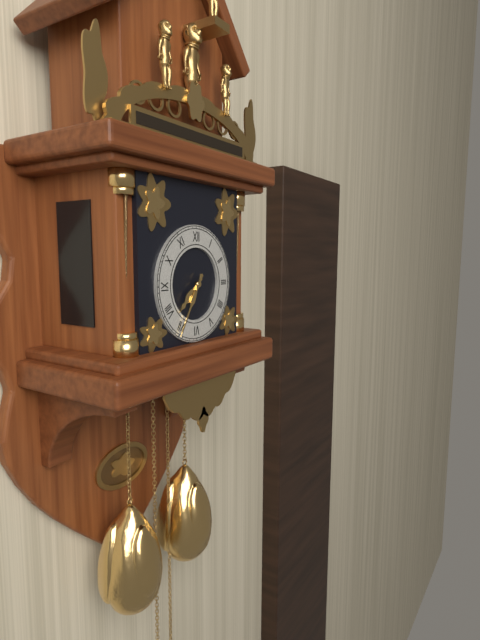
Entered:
7 h 35 min
